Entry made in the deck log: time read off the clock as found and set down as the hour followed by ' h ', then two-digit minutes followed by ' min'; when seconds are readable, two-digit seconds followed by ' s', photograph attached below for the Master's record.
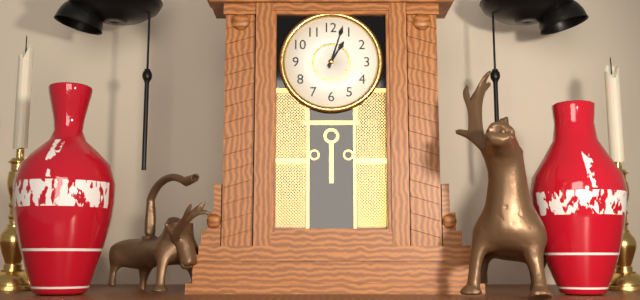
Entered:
1 h 03 min
